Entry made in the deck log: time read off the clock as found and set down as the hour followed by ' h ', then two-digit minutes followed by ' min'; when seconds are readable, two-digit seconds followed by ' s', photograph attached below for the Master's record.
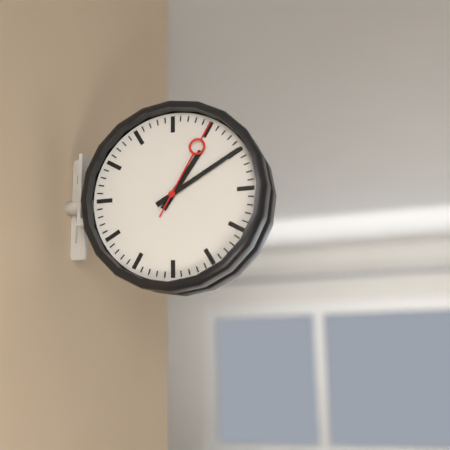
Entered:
1 h 10 min 05 s
